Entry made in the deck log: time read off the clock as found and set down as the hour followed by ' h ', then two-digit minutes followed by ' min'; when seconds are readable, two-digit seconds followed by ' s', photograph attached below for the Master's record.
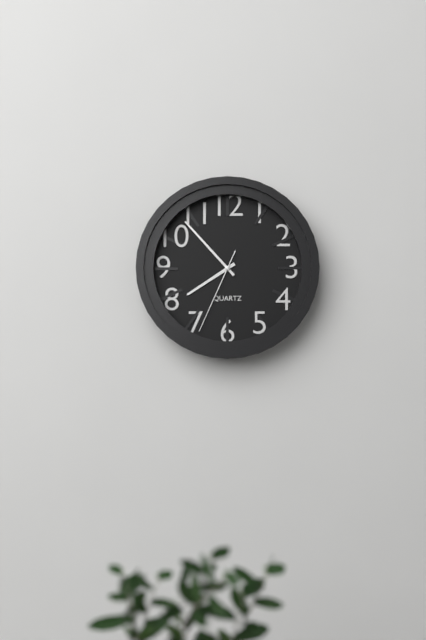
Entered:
7 h 53 min 34 s
